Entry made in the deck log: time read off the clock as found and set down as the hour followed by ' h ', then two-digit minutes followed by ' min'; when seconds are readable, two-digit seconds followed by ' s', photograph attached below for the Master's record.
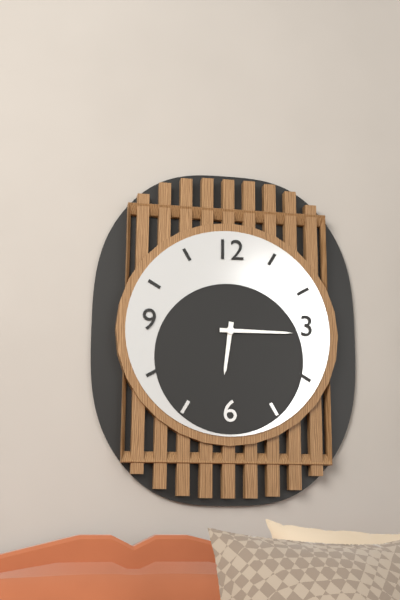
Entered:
6 h 15 min
